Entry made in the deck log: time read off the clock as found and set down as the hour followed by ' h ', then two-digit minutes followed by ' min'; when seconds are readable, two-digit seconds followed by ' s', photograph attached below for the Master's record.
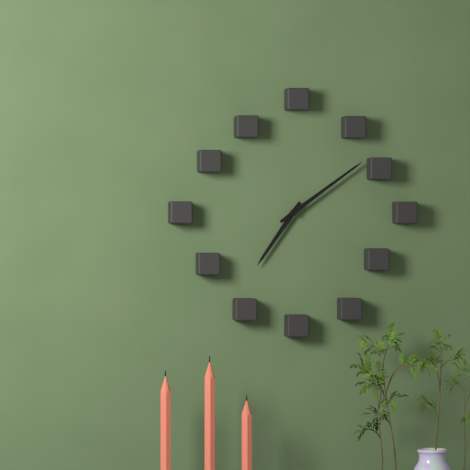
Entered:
7 h 09 min
